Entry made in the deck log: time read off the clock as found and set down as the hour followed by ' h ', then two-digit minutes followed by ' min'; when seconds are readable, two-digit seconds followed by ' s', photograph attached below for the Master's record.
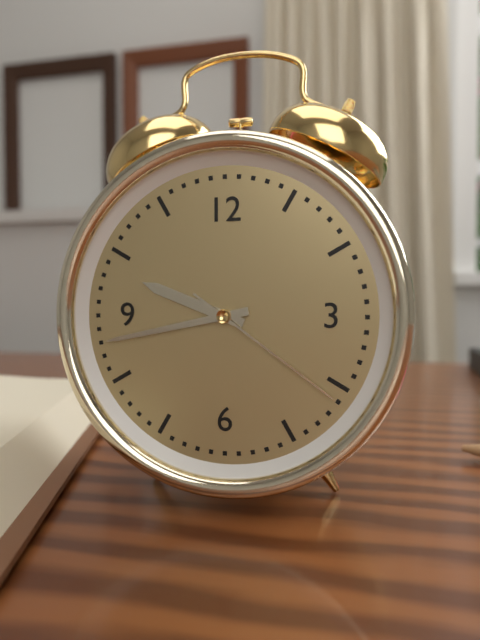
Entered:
9 h 43 min 21 s
